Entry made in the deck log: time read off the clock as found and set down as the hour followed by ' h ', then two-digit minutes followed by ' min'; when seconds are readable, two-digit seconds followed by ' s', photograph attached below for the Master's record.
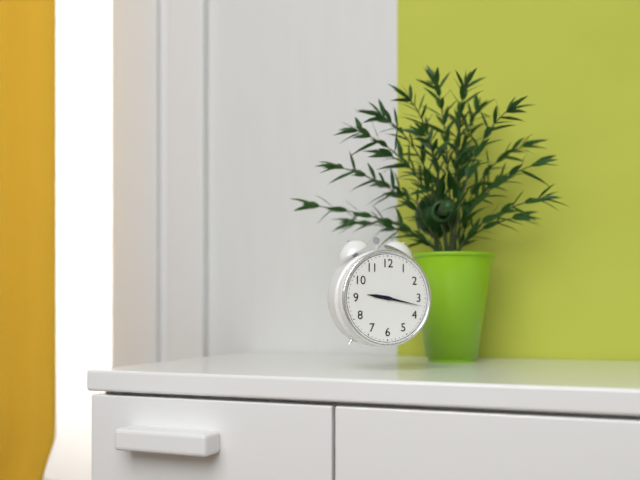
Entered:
9 h 17 min
